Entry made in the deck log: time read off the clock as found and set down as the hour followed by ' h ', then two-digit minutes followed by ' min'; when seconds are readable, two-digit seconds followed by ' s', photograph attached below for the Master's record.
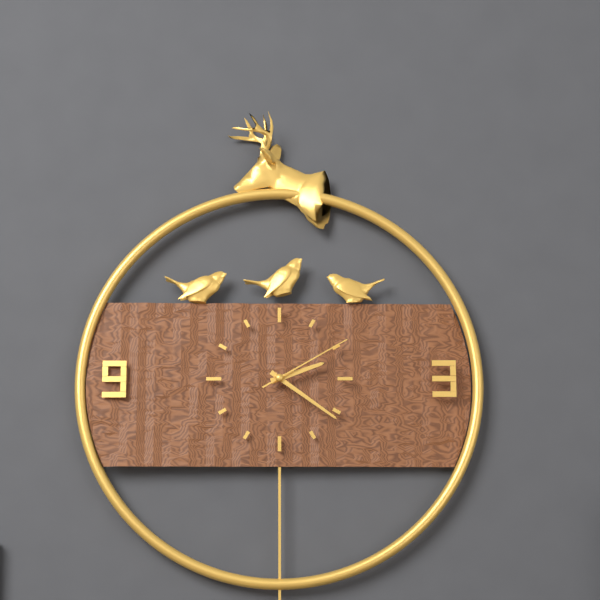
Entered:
2 h 21 min 10 s
